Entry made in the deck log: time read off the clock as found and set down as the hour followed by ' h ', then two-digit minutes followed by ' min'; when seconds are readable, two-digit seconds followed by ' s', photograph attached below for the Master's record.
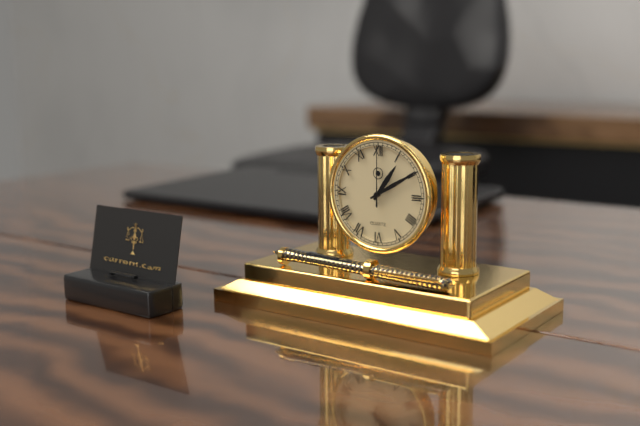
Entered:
1 h 10 min 00 s
